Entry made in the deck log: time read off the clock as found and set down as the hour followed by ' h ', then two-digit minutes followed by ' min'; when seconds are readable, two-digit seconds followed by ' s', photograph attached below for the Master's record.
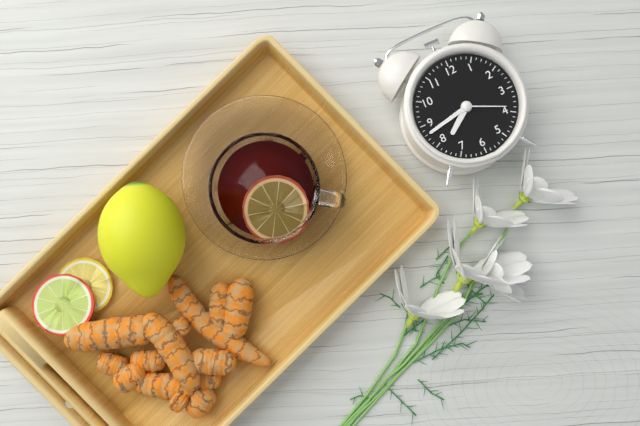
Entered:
7 h 43 min 19 s
